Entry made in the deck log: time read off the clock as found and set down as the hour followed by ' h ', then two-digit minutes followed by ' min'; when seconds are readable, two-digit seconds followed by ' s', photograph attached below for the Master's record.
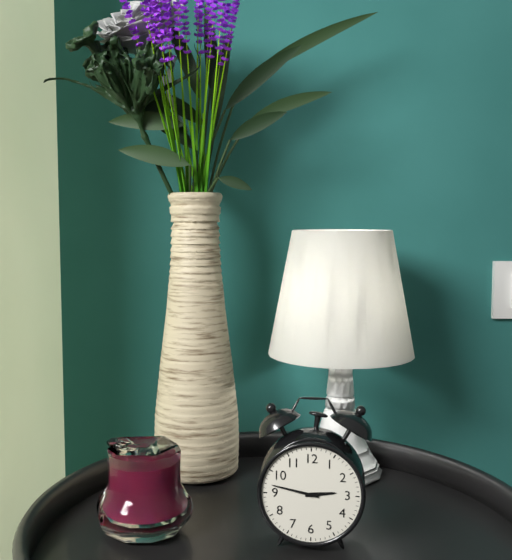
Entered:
2 h 47 min
